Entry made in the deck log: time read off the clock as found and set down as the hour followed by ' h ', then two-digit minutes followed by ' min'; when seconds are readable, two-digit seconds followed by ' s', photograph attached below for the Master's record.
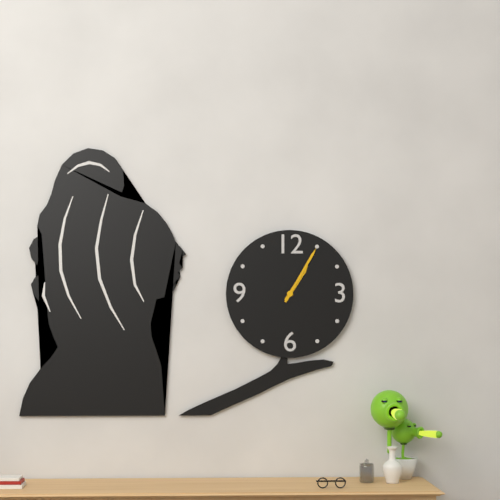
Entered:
1 h 05 min
